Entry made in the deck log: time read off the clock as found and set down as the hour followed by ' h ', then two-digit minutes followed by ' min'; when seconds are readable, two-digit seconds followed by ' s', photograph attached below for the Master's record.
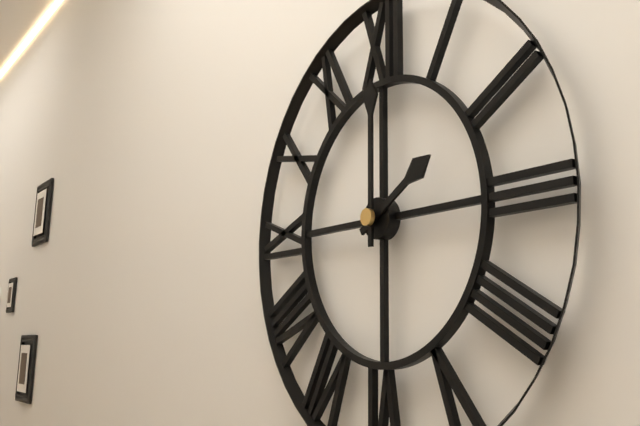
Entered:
2 h 00 min
